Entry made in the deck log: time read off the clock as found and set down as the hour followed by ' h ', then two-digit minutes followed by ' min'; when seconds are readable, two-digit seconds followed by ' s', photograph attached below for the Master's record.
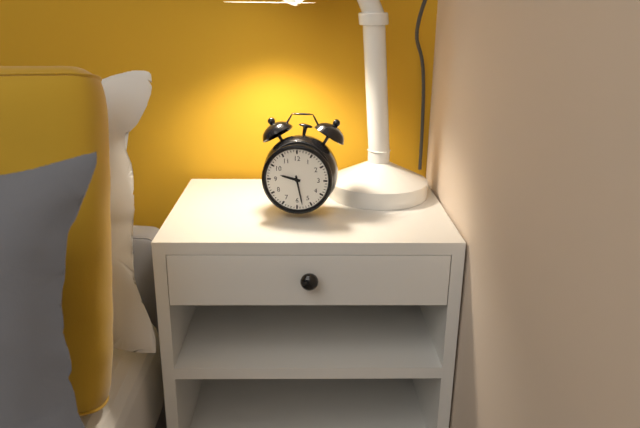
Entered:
9 h 28 min
